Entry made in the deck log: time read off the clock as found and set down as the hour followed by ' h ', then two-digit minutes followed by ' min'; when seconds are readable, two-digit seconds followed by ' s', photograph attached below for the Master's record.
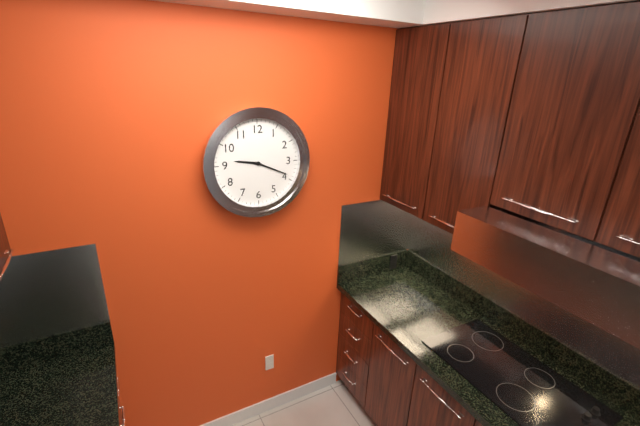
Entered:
9 h 19 min
